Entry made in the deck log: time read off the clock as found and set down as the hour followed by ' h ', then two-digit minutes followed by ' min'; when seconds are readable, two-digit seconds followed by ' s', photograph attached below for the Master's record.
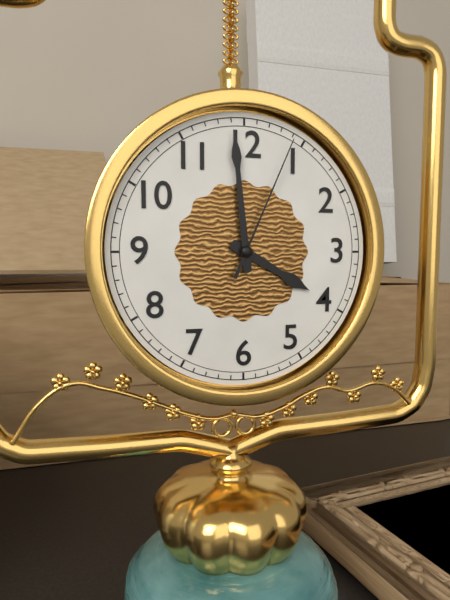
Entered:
3 h 59 min 04 s
